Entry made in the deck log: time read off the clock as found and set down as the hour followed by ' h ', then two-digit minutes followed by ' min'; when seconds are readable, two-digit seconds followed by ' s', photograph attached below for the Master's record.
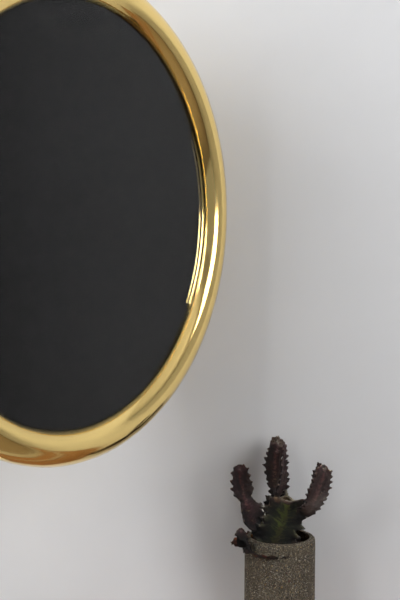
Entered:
5 h 54 min 58 s
